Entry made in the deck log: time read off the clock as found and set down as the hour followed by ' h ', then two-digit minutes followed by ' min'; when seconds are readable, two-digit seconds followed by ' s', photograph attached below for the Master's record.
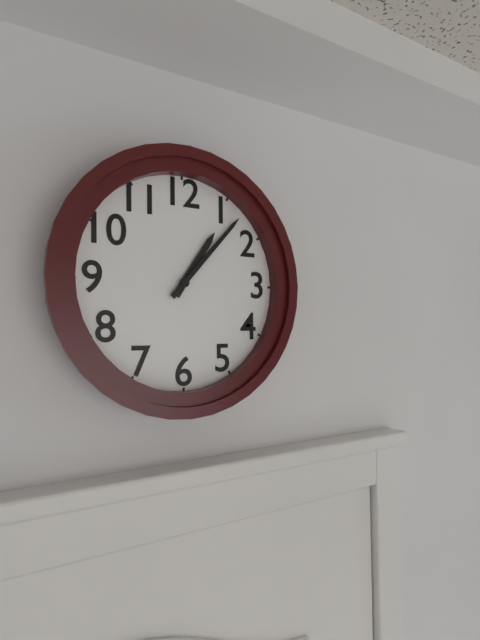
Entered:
1 h 07 min
